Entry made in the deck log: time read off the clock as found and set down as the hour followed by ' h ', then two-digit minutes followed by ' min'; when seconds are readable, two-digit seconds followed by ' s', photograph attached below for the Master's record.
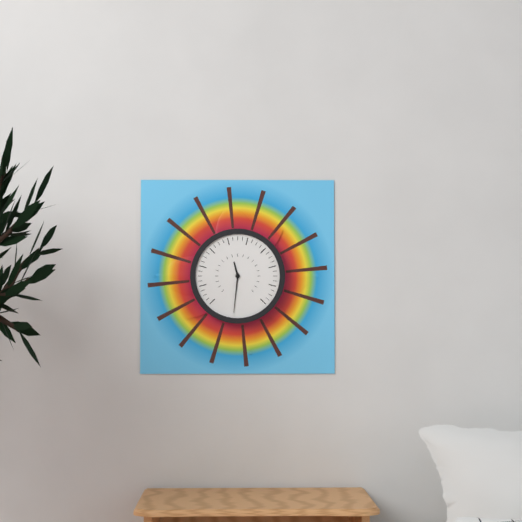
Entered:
11 h 31 min
